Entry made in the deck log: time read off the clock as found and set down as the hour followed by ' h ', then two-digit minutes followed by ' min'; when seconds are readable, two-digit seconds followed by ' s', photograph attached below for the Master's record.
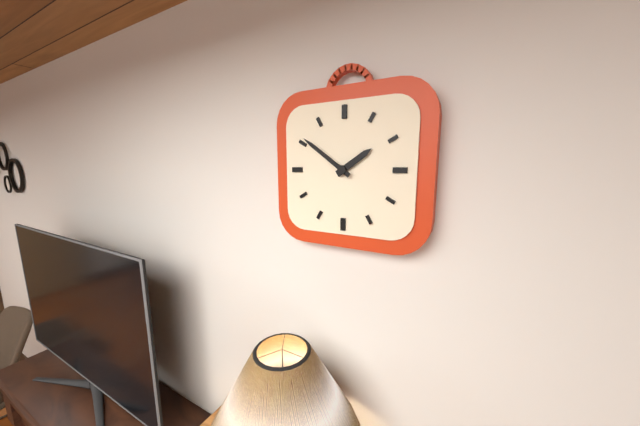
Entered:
1 h 51 min
